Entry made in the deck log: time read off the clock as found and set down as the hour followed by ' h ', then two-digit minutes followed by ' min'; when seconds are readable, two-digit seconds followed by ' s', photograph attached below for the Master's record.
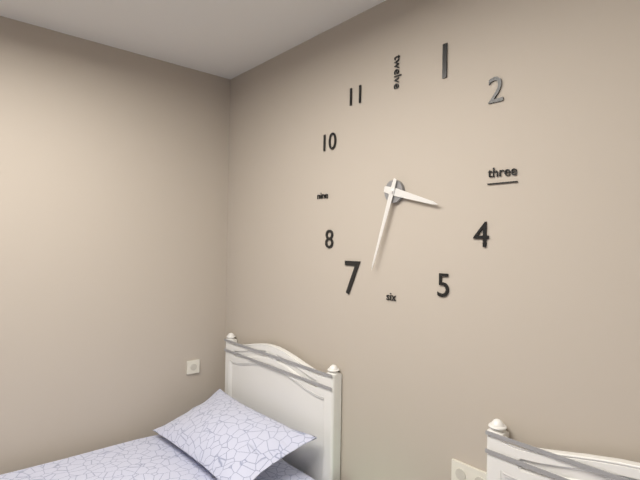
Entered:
3 h 33 min
